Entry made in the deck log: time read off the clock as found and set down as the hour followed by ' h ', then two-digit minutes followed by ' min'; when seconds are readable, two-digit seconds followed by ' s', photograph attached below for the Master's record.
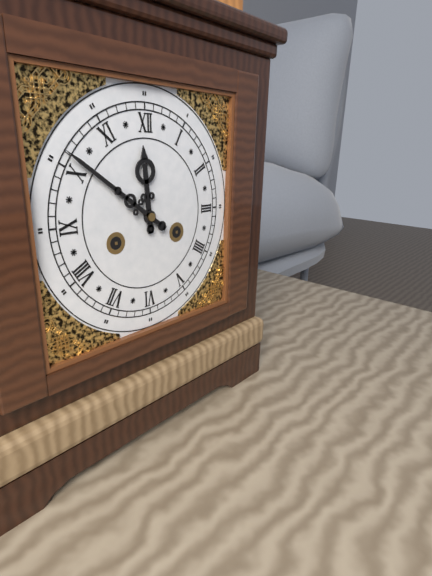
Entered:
11 h 51 min
